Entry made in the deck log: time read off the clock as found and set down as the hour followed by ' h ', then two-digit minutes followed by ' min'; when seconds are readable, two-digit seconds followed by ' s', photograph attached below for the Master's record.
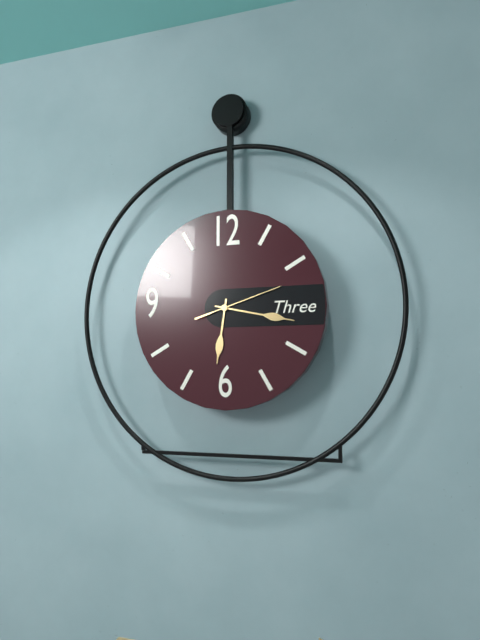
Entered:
6 h 17 min 12 s
